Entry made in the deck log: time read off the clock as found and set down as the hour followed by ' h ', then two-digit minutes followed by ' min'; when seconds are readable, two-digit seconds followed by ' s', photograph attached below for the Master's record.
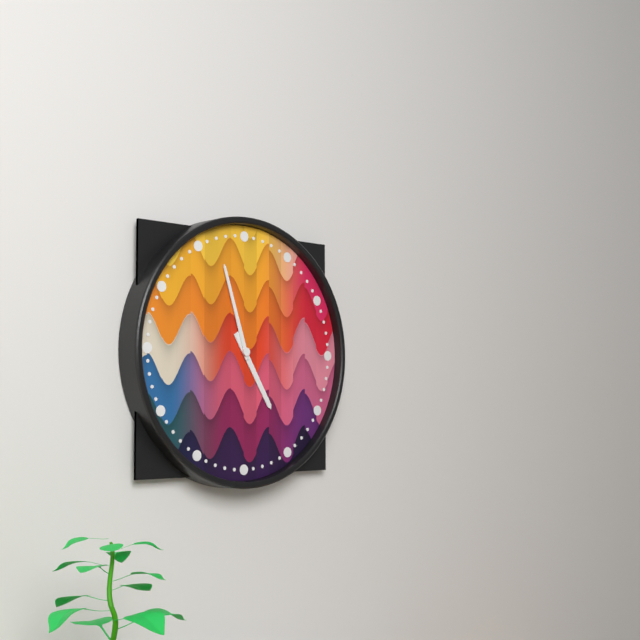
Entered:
4 h 57 min
